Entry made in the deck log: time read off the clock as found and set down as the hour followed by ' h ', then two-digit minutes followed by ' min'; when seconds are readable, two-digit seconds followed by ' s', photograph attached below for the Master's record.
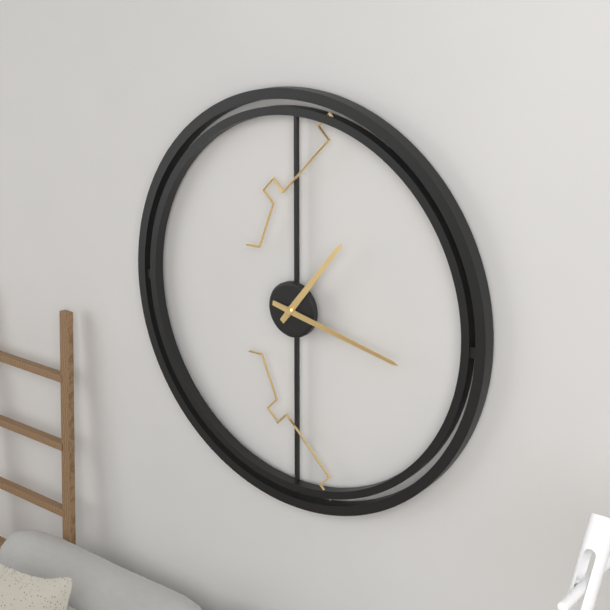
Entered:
1 h 17 min
